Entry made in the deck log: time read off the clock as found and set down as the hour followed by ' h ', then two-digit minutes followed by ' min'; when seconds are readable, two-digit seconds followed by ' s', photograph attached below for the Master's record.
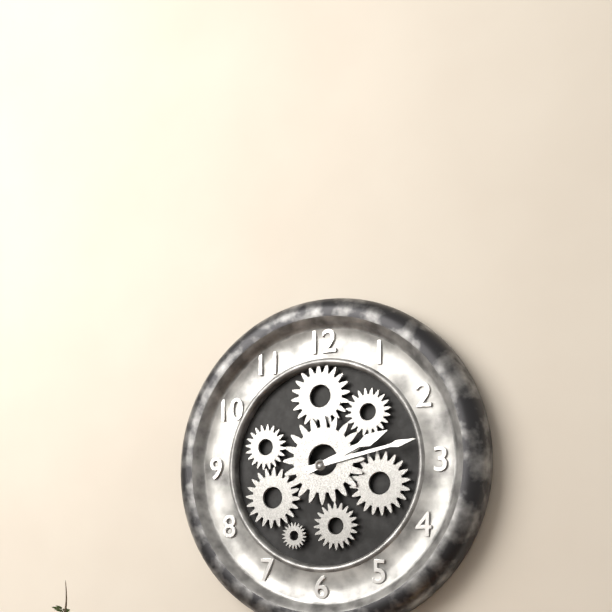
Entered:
2 h 13 min
